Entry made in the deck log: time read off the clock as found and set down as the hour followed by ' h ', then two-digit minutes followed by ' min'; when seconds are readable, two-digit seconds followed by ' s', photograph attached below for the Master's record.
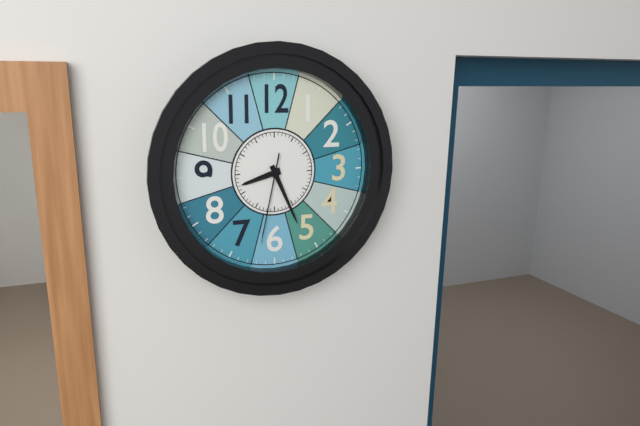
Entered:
8 h 26 min 32 s
